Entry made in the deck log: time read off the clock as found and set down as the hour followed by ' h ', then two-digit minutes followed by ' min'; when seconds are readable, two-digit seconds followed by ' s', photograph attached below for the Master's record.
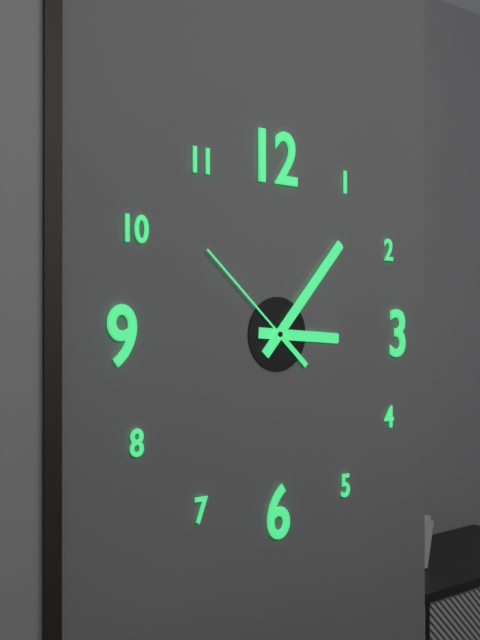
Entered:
3 h 07 min 52 s
